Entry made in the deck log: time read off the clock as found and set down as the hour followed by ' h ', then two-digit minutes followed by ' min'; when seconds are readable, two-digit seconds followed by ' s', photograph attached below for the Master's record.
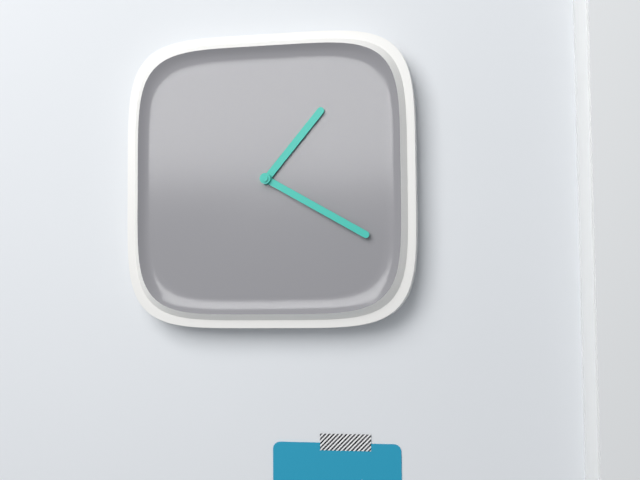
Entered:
1 h 20 min
